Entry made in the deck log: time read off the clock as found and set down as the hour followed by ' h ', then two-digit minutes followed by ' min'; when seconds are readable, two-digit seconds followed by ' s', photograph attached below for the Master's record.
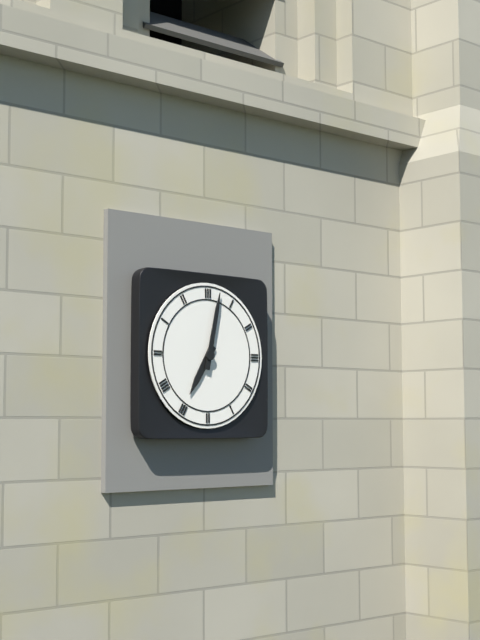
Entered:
7 h 02 min
